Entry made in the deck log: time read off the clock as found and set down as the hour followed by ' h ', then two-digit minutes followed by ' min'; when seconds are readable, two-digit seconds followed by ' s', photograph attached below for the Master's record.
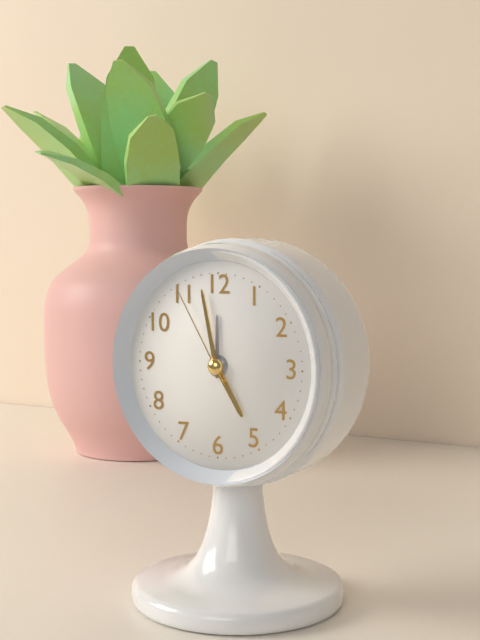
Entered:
4 h 58 min 55 s
